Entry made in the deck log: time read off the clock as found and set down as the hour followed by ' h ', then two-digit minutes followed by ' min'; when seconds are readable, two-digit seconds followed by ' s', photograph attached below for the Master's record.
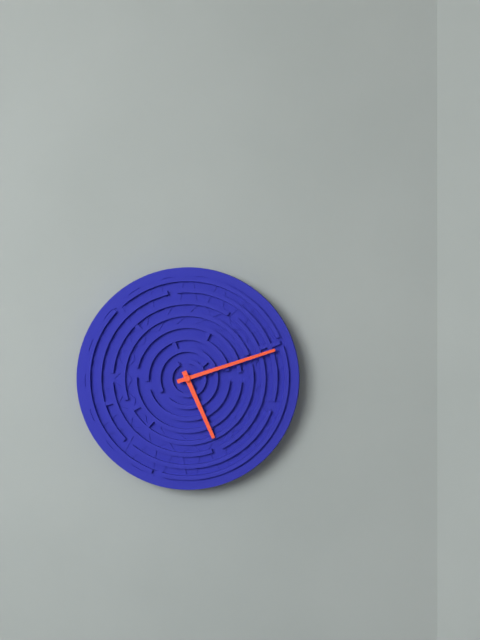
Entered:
5 h 12 min
